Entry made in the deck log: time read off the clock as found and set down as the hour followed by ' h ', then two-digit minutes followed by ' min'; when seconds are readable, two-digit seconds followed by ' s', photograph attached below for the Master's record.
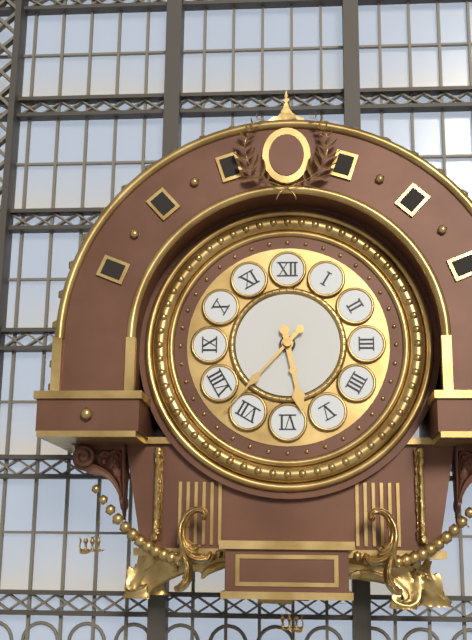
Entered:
5 h 37 min
